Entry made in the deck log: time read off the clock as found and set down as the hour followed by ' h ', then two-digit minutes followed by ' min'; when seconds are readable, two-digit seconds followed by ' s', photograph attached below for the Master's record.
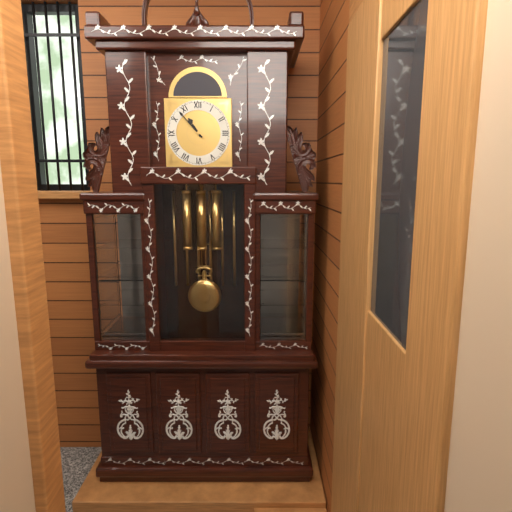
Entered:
10 h 53 min
